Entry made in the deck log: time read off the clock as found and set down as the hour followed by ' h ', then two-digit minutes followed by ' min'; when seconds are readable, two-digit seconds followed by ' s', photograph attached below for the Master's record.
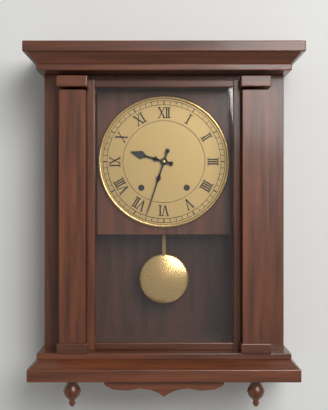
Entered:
9 h 33 min
